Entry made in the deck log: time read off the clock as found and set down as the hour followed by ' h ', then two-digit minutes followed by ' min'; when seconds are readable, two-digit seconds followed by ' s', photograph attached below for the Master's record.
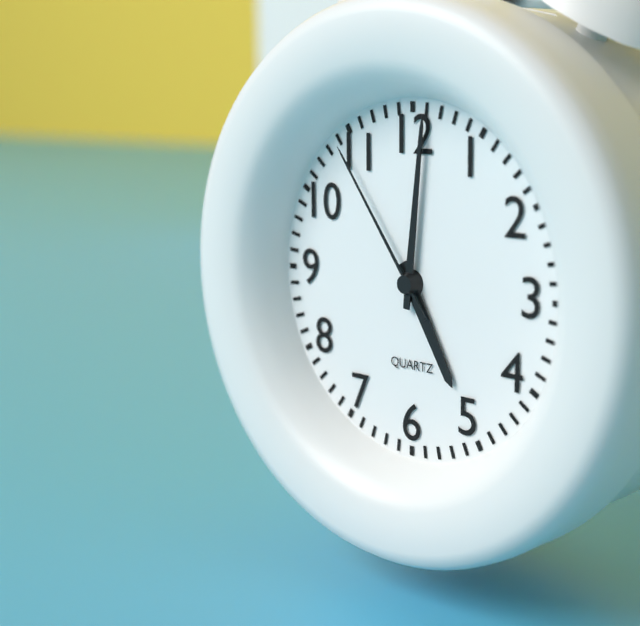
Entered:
5 h 01 min 54 s
